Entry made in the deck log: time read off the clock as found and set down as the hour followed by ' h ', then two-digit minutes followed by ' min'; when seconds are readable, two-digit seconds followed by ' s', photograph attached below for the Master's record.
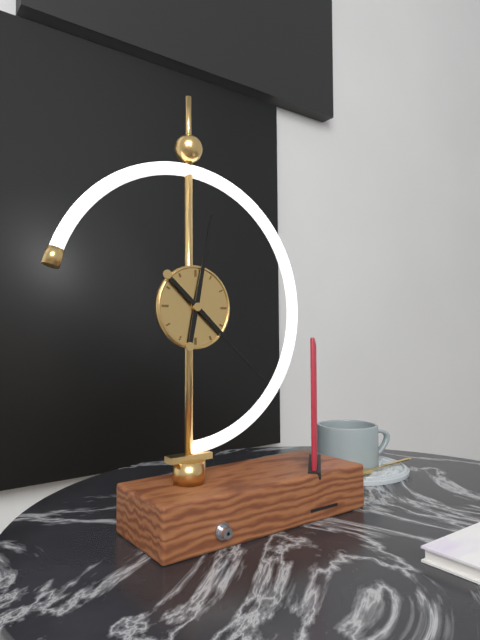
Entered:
12 h 22 min
